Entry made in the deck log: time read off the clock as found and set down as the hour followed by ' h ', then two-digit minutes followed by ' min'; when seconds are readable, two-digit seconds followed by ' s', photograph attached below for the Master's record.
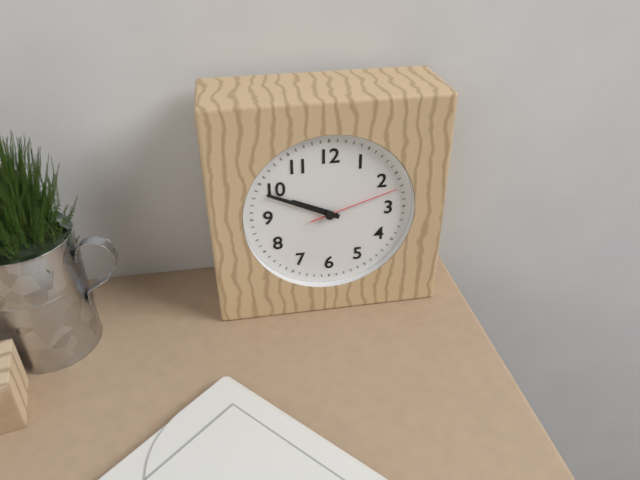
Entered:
9 h 49 min 12 s
